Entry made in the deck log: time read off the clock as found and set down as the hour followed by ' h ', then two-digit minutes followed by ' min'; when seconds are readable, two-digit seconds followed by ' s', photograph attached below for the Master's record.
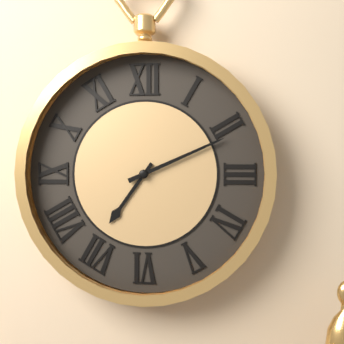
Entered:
7 h 11 min
